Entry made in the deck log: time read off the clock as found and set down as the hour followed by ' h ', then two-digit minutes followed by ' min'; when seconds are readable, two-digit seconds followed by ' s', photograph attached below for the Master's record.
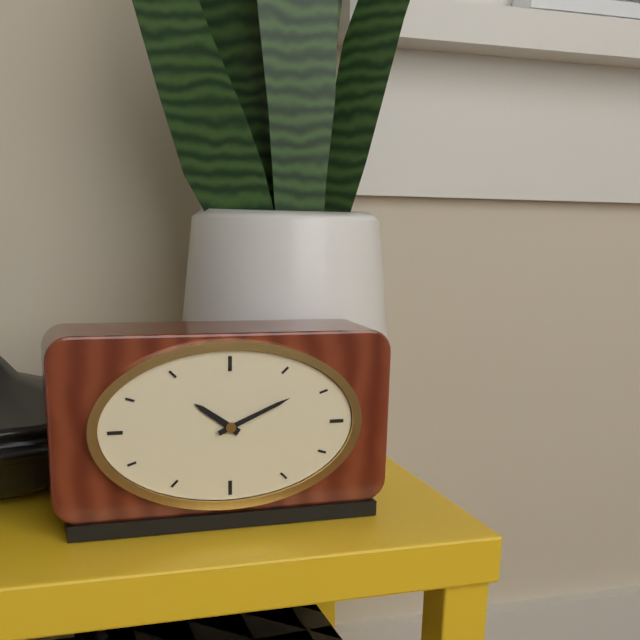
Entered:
10 h 11 min
